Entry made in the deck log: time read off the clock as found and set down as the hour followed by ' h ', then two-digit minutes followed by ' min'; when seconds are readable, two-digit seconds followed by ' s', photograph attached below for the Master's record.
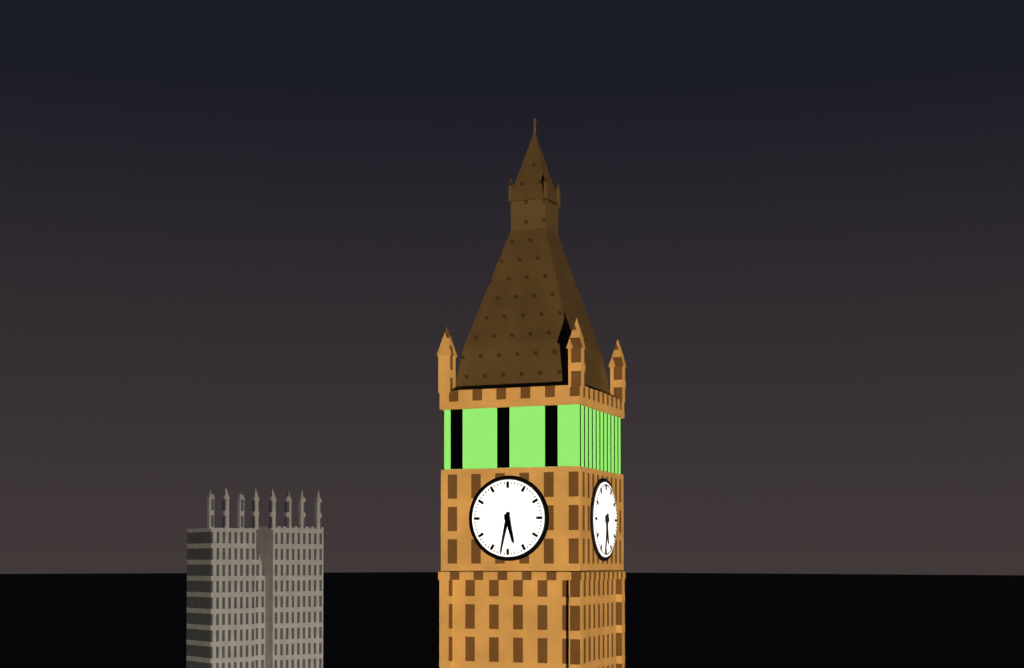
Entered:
5 h 32 min
